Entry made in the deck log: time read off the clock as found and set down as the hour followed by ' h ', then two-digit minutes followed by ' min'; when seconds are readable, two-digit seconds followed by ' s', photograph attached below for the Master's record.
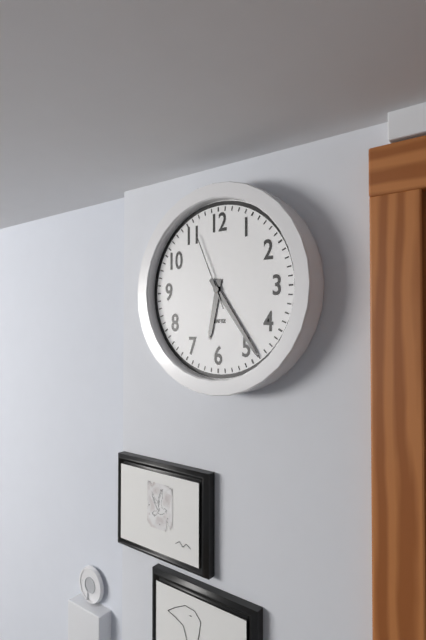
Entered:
6 h 24 min 56 s
